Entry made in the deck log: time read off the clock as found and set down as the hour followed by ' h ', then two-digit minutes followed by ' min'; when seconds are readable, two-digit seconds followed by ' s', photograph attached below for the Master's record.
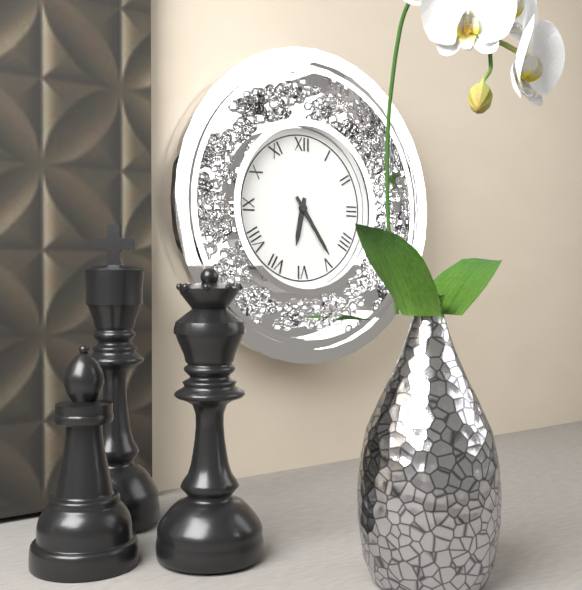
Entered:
6 h 24 min
